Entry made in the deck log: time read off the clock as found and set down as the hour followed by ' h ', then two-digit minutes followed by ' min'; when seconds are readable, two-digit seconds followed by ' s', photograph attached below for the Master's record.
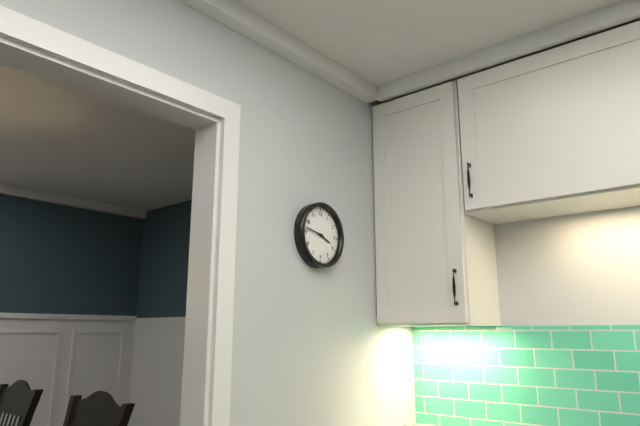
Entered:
3 h 47 min
